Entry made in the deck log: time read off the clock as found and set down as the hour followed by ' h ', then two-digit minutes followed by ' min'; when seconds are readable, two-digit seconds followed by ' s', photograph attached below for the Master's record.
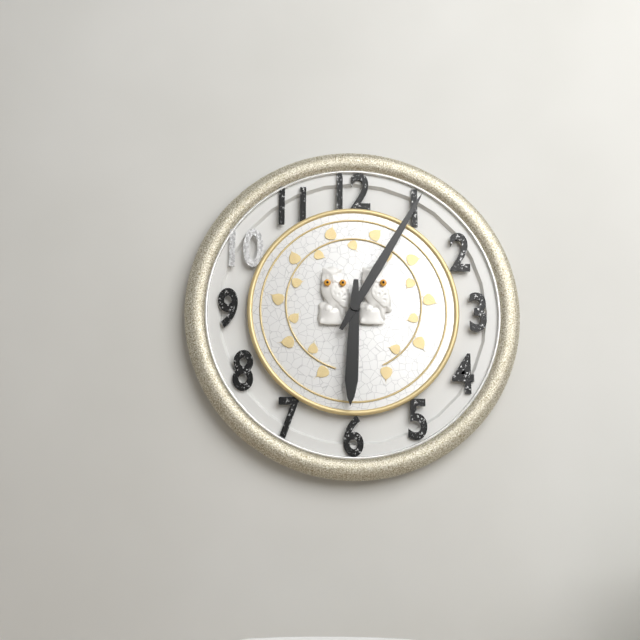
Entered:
6 h 05 min
